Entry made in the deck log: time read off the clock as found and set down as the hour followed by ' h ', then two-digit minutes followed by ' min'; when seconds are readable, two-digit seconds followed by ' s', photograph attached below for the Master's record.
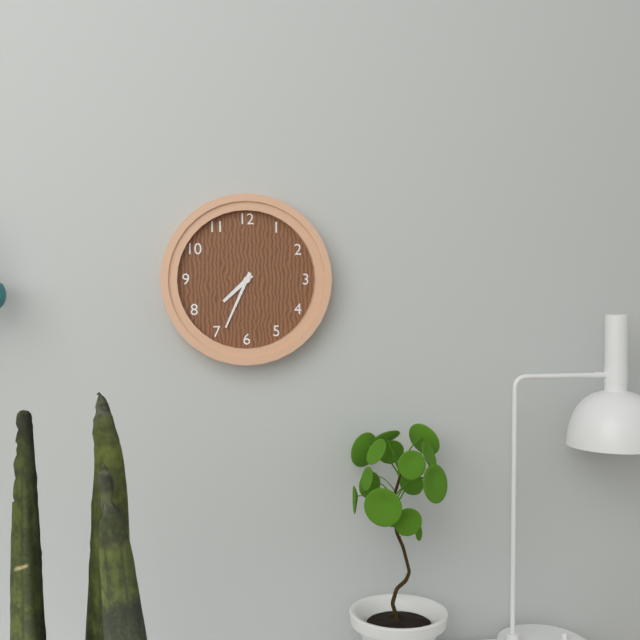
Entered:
7 h 34 min
